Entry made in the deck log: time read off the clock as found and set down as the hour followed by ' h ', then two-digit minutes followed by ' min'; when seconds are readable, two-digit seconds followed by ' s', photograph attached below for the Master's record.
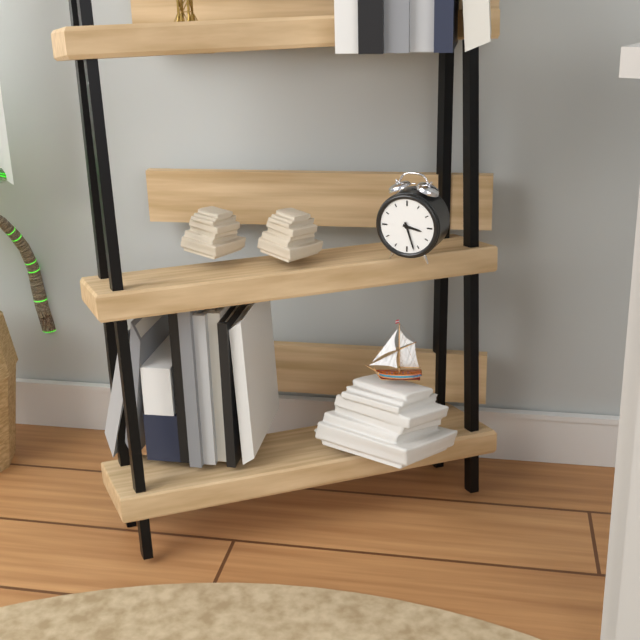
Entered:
3 h 27 min
